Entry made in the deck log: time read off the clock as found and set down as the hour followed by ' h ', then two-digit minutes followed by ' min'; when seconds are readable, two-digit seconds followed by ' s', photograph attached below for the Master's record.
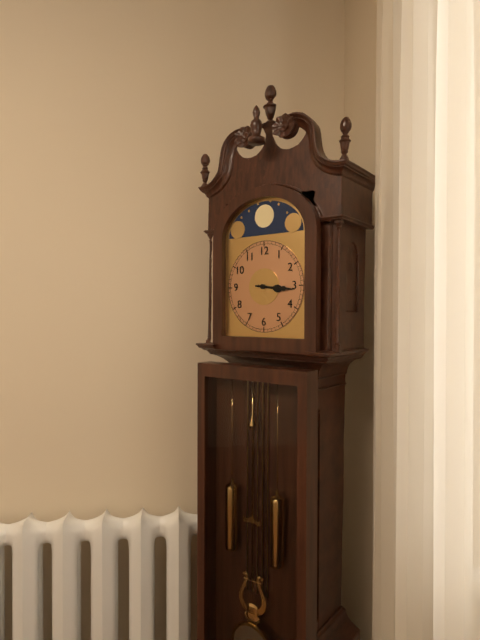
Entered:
3 h 16 min
